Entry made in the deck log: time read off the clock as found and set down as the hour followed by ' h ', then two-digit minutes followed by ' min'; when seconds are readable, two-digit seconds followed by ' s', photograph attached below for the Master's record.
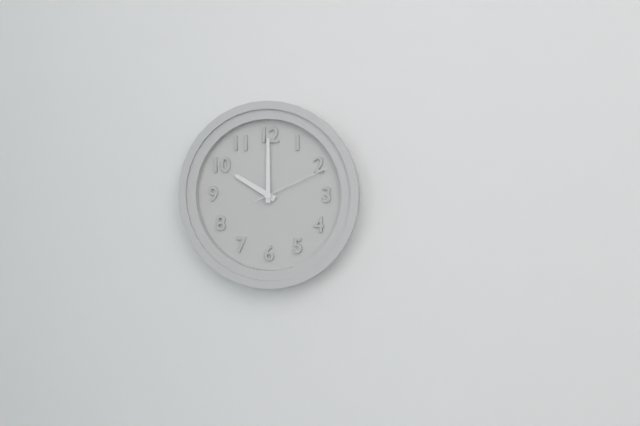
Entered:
10 h 00 min 11 s
